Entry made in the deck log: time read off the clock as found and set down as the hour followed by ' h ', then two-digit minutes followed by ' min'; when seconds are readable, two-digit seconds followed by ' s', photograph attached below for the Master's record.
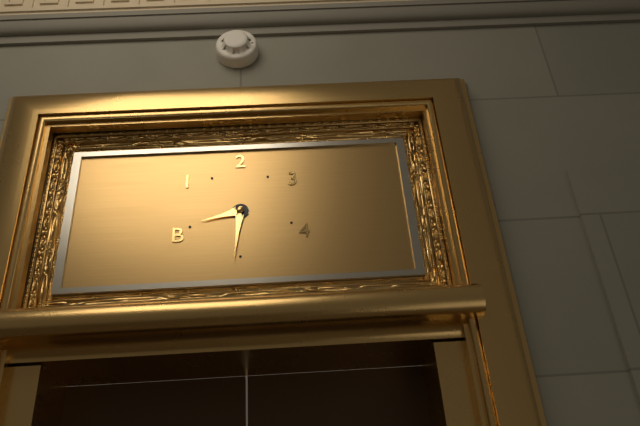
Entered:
8 h 31 min
